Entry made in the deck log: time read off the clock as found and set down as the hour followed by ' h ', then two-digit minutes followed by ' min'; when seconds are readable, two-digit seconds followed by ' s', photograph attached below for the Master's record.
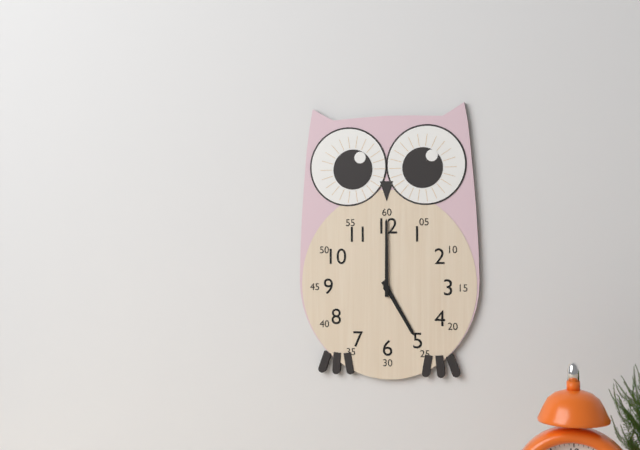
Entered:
5 h 00 min
